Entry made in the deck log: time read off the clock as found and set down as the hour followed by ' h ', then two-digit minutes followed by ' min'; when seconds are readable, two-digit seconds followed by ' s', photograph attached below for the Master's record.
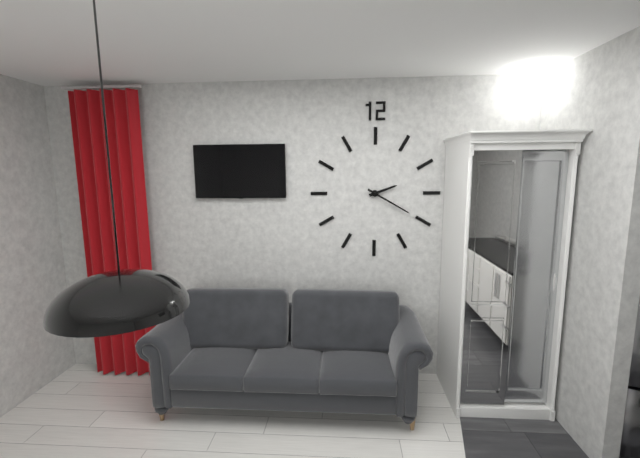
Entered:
2 h 20 min
